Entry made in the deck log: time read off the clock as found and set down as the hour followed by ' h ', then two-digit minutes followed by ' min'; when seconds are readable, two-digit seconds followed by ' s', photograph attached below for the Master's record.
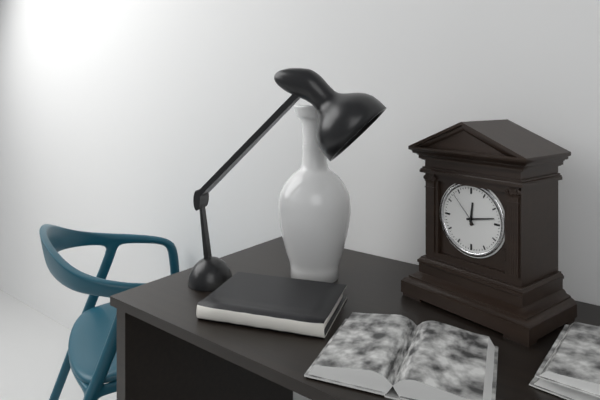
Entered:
12 h 13 min
